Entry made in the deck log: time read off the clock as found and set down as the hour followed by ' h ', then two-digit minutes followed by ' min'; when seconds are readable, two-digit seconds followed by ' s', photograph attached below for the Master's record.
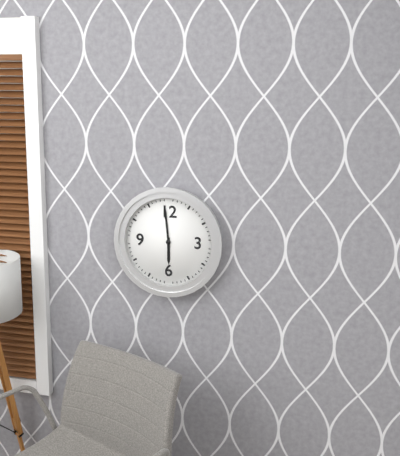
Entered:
5 h 59 min
